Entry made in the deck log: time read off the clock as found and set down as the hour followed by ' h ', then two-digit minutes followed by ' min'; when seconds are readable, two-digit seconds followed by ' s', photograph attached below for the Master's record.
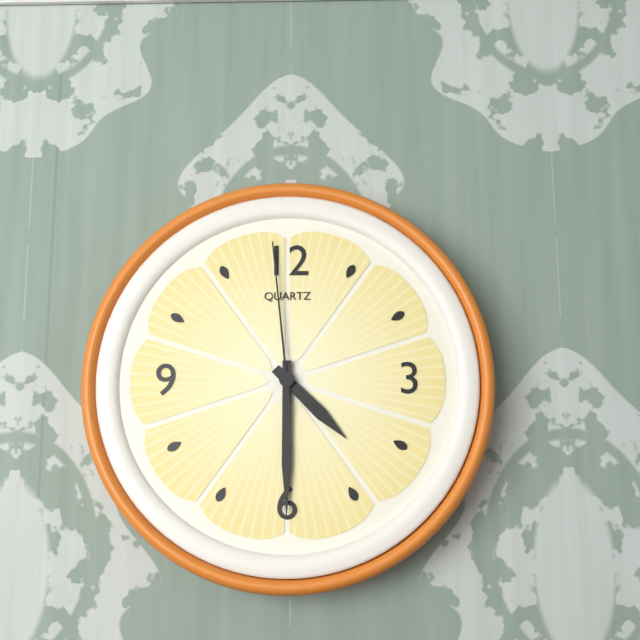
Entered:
4 h 30 min 59 s
